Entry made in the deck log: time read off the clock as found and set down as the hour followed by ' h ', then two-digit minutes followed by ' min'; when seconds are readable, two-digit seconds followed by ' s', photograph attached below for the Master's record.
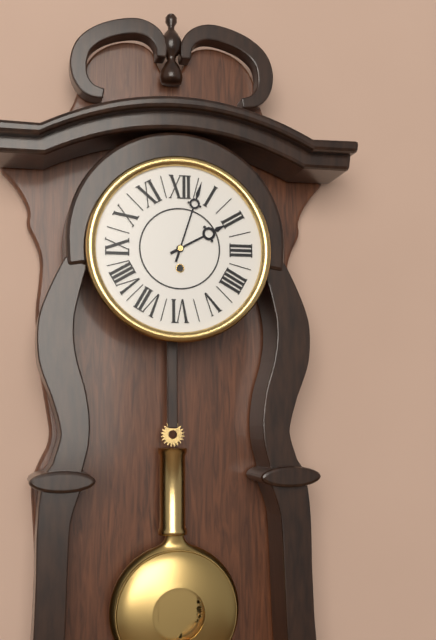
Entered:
2 h 03 min
